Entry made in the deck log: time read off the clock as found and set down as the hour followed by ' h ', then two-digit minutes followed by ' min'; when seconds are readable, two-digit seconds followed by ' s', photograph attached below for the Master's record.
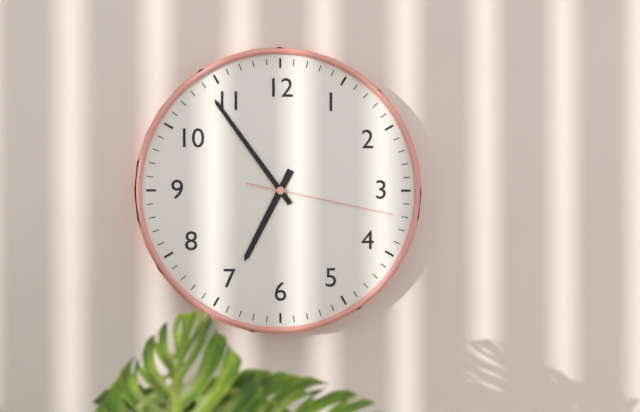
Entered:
6 h 54 min 17 s
